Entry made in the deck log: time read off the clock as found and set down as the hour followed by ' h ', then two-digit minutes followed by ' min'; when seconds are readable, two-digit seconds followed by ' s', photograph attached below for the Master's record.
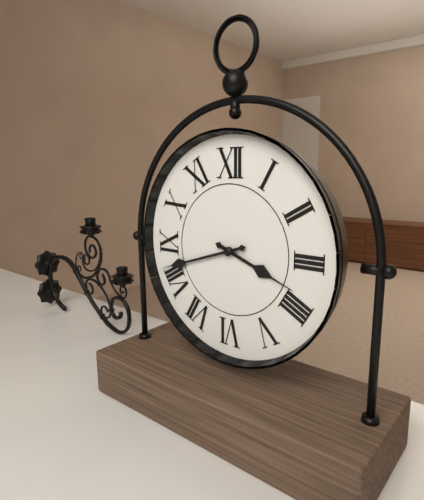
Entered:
3 h 42 min
